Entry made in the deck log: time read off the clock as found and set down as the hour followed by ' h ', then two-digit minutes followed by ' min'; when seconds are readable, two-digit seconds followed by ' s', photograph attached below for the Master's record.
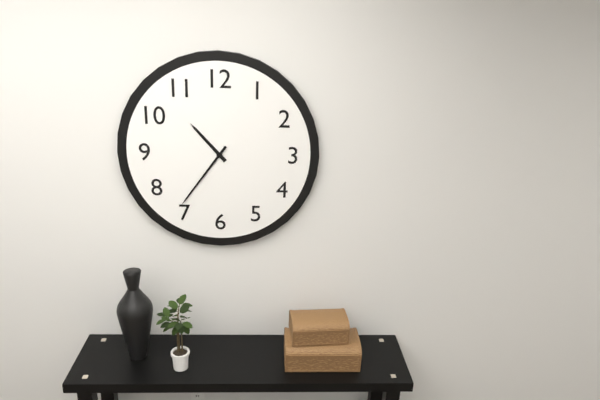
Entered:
10 h 36 min
